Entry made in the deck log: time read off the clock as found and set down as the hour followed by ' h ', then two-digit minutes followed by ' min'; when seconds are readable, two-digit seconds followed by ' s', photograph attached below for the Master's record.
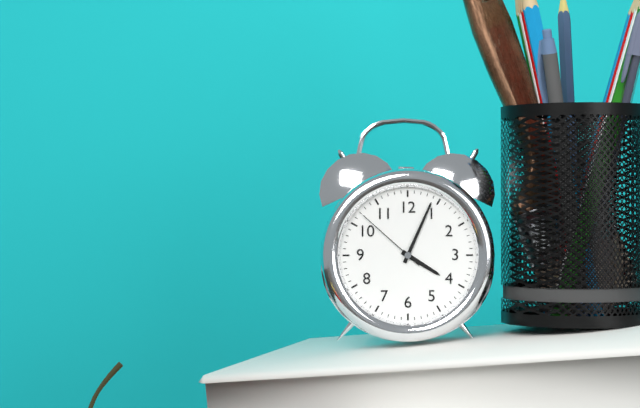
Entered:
4 h 04 min 52 s
